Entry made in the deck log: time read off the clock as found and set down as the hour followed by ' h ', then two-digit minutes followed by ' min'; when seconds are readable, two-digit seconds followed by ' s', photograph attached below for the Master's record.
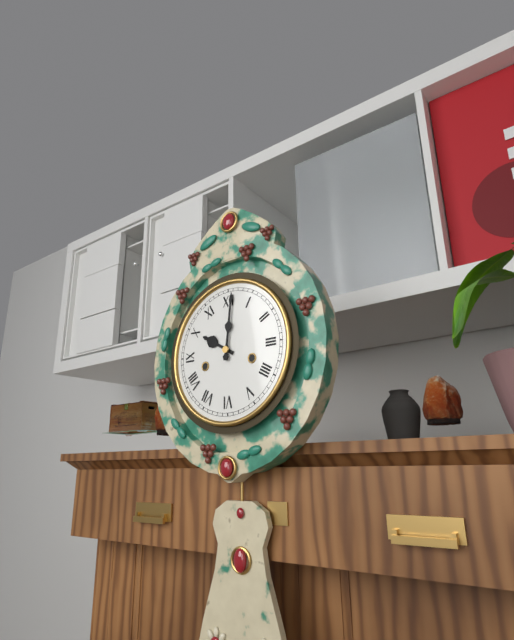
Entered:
10 h 01 min
